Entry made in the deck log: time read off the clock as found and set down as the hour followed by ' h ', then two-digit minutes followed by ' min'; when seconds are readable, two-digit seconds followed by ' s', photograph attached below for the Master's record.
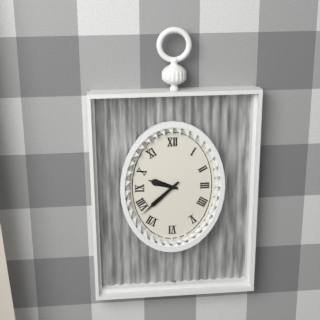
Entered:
9 h 38 min
